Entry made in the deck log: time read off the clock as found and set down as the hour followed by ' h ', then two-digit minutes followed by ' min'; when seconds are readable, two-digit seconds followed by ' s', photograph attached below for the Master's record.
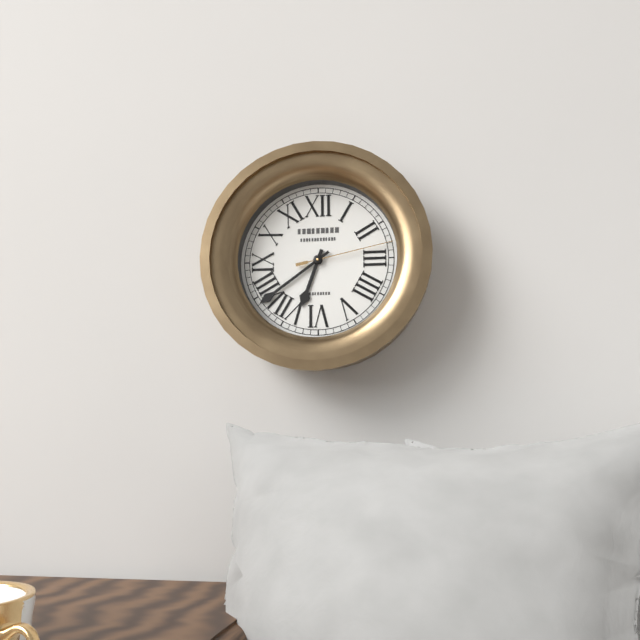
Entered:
6 h 39 min 13 s
